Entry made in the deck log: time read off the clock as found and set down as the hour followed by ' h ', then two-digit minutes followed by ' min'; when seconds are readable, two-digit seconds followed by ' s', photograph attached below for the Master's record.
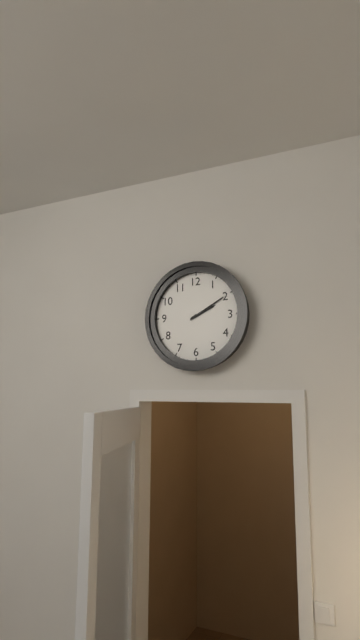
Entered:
2 h 10 min
